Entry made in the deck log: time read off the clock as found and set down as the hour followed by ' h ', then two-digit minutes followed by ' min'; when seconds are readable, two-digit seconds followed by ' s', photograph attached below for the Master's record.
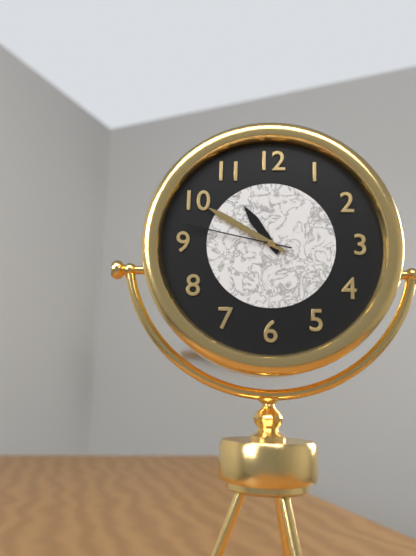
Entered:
10 h 50 min 47 s
